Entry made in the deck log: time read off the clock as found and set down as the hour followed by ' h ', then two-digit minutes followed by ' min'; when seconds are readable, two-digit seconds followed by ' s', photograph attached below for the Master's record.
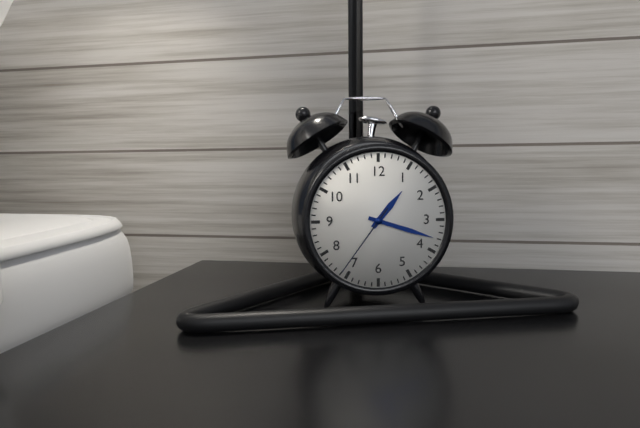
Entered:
1 h 18 min 36 s
